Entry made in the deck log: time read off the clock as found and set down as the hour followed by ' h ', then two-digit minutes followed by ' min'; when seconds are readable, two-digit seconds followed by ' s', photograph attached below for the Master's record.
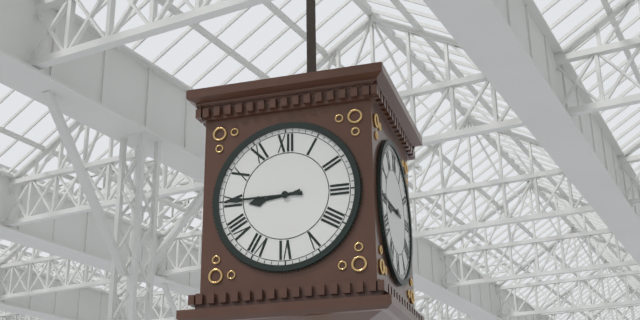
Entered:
8 h 45 min
